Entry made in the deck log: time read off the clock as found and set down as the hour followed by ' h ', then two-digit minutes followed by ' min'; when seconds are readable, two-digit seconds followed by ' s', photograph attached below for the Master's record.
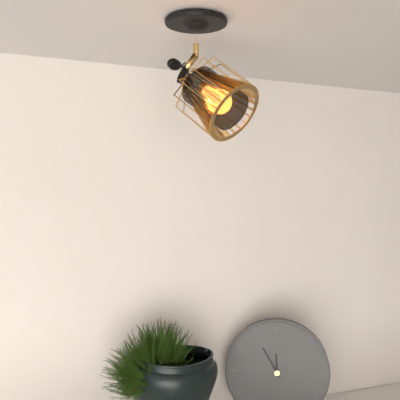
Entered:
11 h 55 min
